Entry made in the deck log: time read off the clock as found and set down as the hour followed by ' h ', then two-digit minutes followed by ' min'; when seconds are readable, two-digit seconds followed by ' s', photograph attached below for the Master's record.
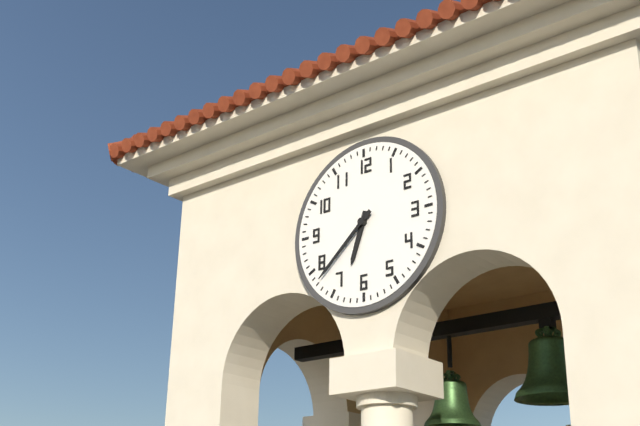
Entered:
6 h 38 min
